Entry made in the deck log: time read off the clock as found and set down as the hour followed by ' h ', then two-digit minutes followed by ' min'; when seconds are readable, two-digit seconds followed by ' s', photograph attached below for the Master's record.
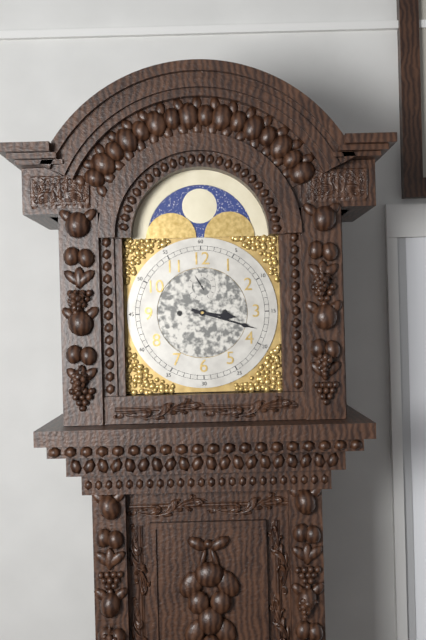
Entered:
3 h 18 min
